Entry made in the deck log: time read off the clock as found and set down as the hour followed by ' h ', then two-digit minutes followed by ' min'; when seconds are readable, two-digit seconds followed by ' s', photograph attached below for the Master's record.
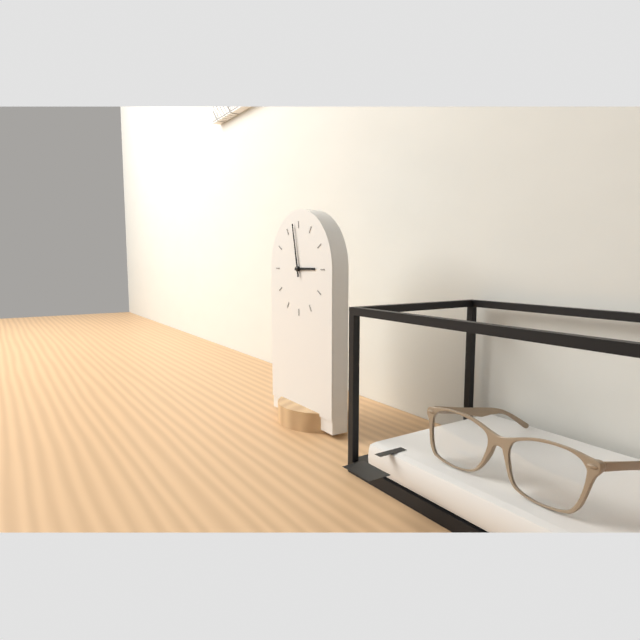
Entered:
2 h 58 min
